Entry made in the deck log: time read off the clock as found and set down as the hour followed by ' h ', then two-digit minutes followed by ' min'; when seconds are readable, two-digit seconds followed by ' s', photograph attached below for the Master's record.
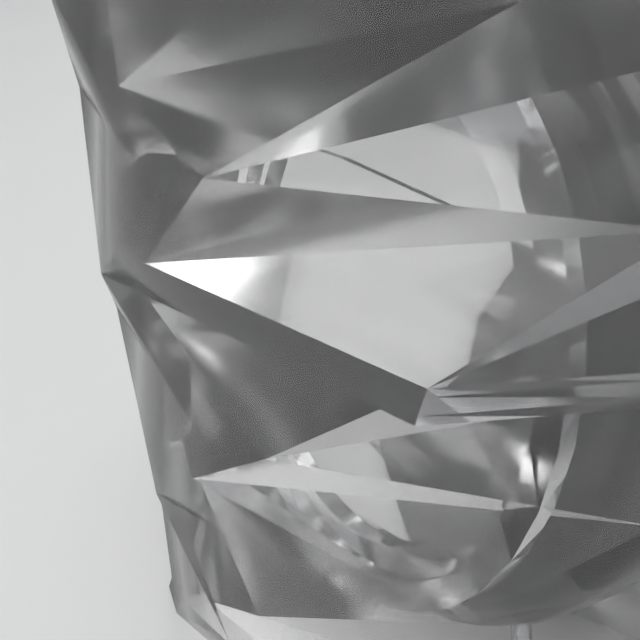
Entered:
11 h 30 min 40 s
